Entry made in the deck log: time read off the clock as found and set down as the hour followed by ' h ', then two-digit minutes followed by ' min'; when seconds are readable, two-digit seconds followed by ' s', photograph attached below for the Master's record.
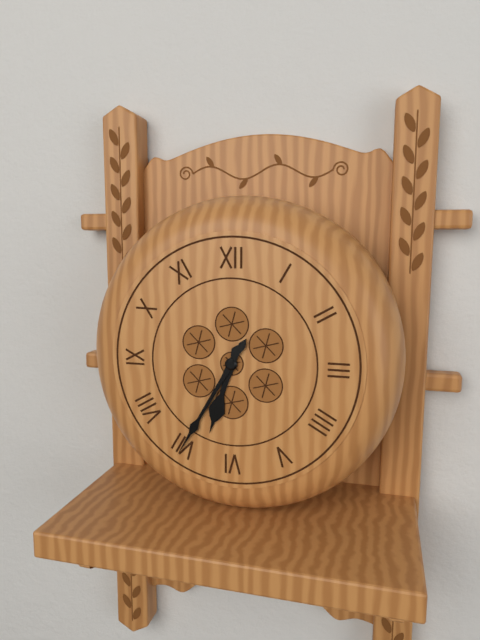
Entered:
6 h 35 min
